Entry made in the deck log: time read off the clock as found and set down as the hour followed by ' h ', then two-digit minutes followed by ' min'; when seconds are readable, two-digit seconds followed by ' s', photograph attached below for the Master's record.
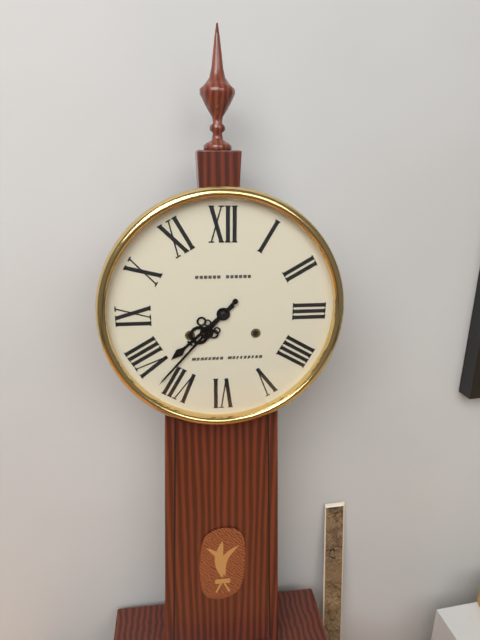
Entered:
7 h 37 min
